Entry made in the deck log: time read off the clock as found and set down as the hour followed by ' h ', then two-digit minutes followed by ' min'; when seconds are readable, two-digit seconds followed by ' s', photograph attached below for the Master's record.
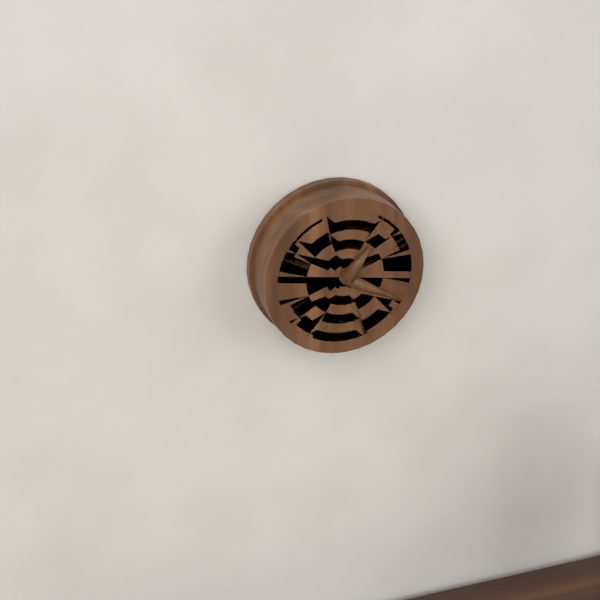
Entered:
1 h 20 min
